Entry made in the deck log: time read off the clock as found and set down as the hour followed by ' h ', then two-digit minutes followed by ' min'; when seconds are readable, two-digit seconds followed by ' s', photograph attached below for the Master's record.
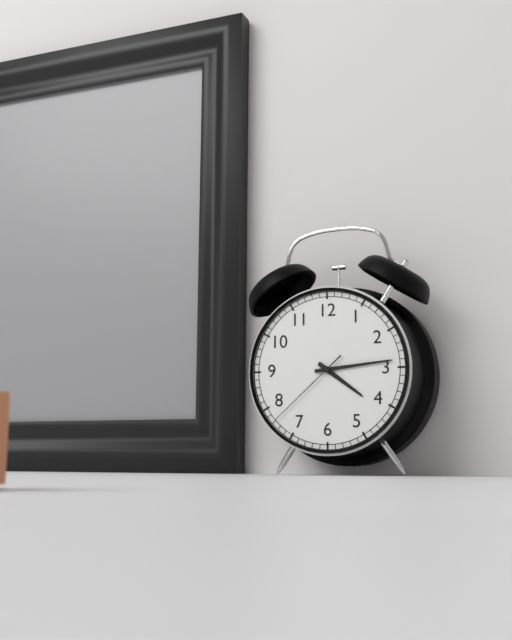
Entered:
4 h 14 min 38 s
